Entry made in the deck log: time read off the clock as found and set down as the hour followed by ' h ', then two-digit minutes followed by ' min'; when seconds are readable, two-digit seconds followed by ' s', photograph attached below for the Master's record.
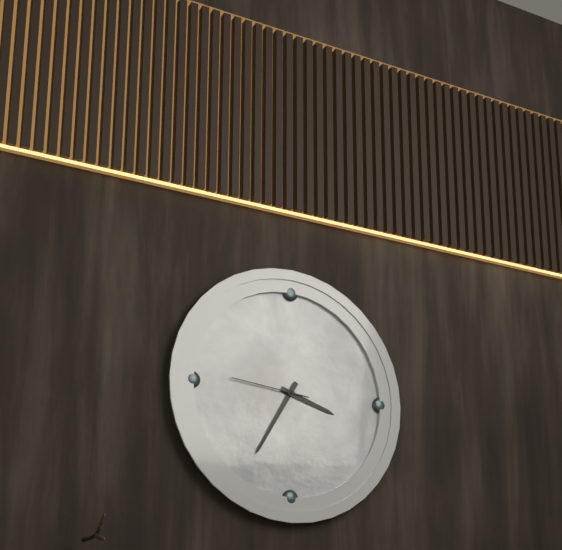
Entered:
3 h 35 min 46 s
